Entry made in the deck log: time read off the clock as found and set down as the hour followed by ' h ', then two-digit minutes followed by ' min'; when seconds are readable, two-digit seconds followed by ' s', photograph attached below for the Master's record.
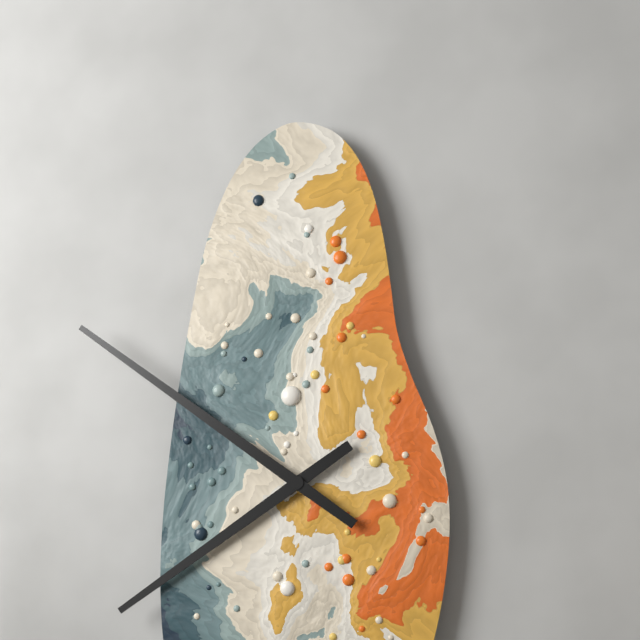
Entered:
7 h 51 min
